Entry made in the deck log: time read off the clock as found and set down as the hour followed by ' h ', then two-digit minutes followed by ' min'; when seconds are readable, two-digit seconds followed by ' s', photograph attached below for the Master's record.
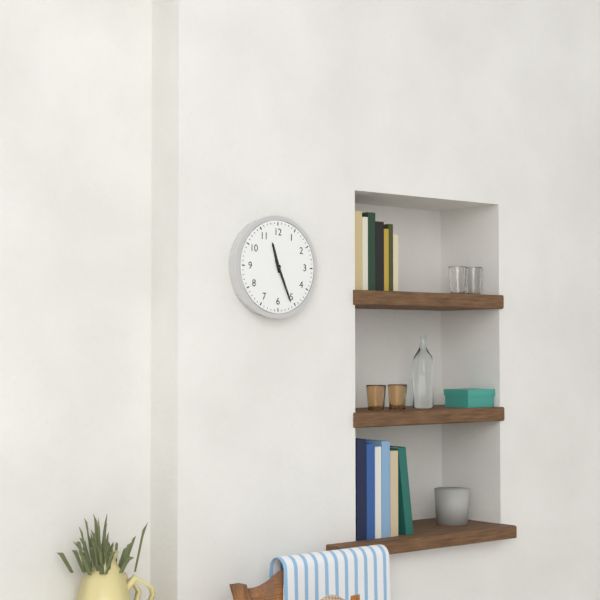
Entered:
11 h 26 min
